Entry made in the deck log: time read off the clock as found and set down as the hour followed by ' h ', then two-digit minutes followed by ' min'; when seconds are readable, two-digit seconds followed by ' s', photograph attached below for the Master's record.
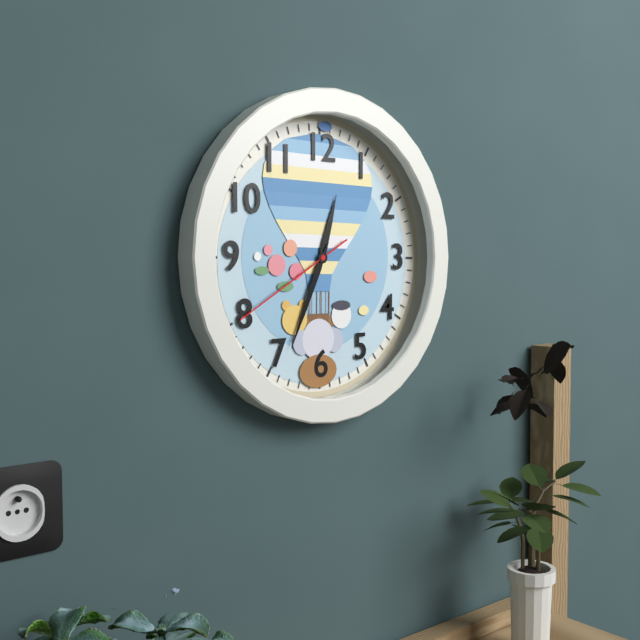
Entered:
12 h 34 min 40 s
